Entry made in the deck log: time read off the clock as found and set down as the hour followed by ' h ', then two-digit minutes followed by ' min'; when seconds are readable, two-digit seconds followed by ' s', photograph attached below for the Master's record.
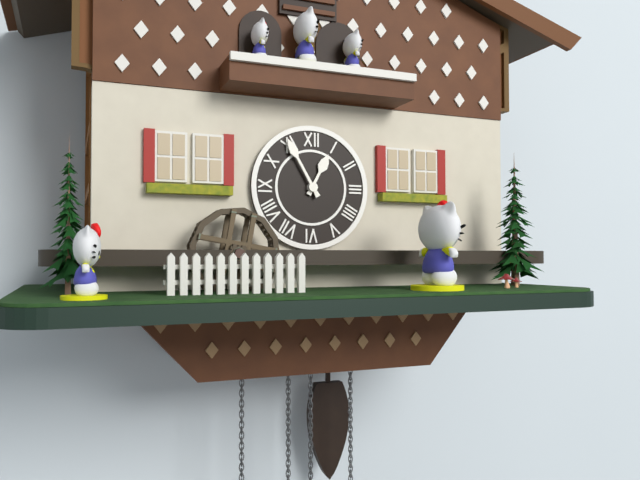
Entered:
12 h 55 min
